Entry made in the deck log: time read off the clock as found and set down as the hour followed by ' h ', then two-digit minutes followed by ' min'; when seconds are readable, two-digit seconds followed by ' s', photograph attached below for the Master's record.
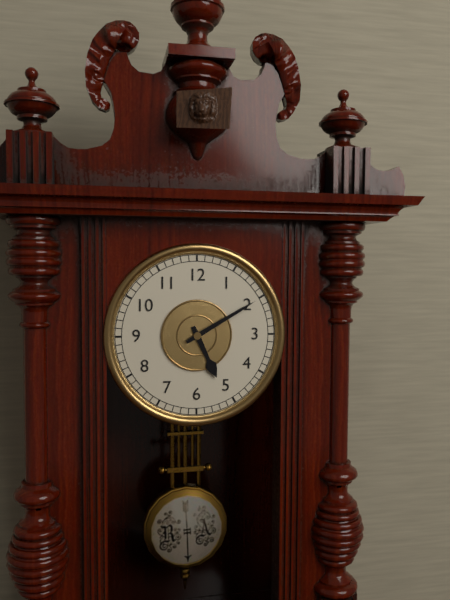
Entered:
5 h 10 min
